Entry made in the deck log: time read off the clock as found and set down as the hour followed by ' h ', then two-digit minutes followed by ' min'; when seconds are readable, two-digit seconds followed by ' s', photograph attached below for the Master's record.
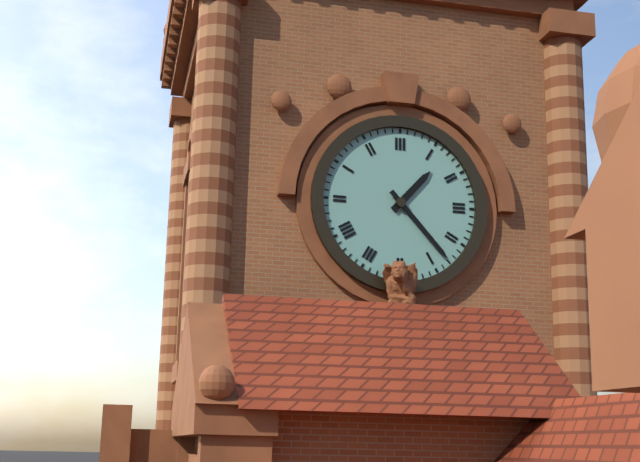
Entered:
1 h 23 min
